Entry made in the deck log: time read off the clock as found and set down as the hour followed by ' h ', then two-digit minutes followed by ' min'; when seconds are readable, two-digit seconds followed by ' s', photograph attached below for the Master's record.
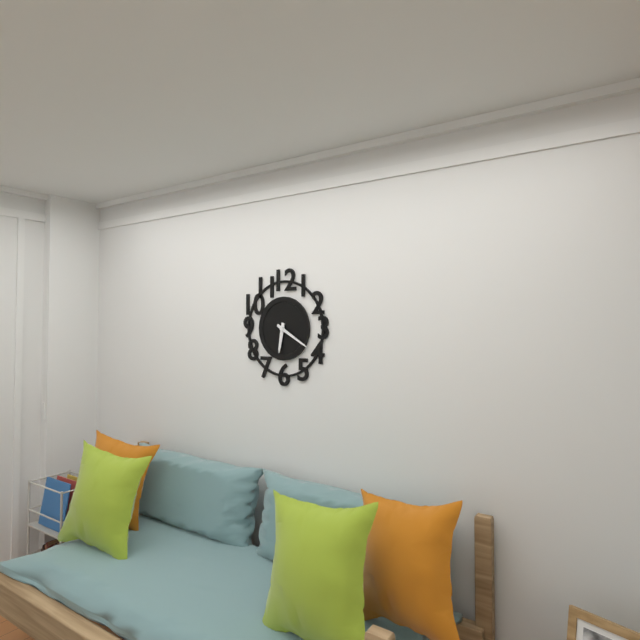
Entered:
6 h 20 min
